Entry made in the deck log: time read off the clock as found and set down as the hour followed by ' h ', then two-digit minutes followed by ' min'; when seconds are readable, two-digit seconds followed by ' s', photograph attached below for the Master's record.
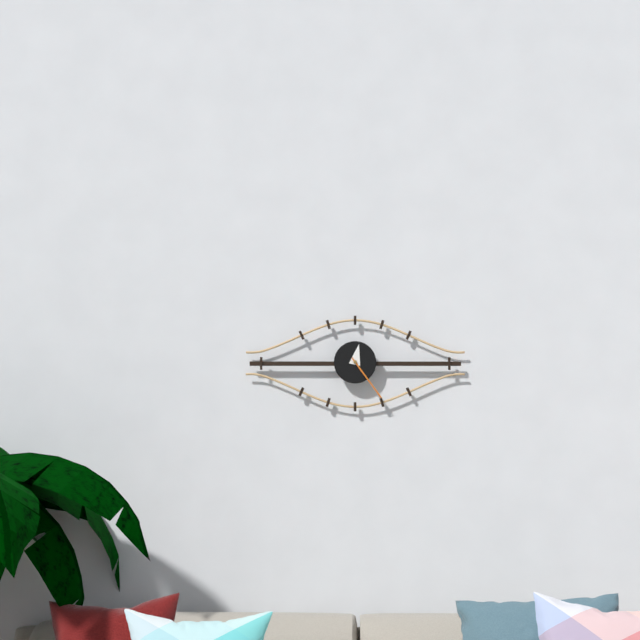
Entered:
12 h 24 min
